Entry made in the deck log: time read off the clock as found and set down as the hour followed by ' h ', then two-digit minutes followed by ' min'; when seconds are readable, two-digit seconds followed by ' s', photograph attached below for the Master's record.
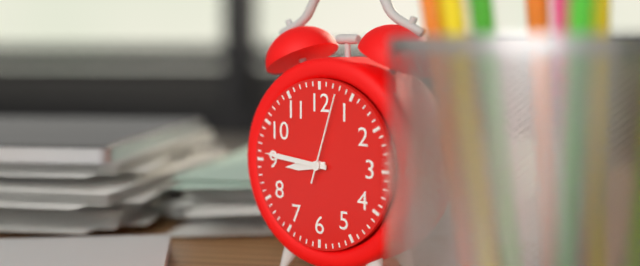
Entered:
8 h 46 min 03 s
